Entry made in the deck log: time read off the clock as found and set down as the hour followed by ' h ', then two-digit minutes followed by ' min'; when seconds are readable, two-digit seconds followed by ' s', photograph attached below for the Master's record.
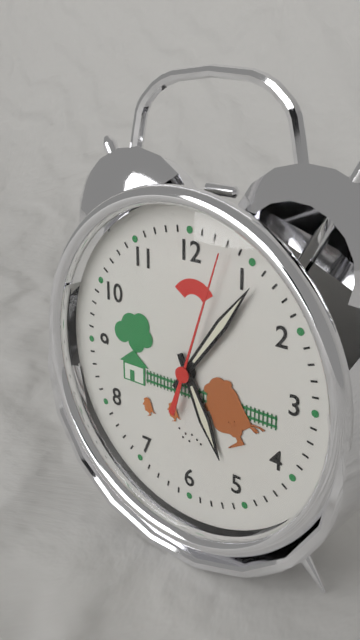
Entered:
5 h 06 min 03 s
